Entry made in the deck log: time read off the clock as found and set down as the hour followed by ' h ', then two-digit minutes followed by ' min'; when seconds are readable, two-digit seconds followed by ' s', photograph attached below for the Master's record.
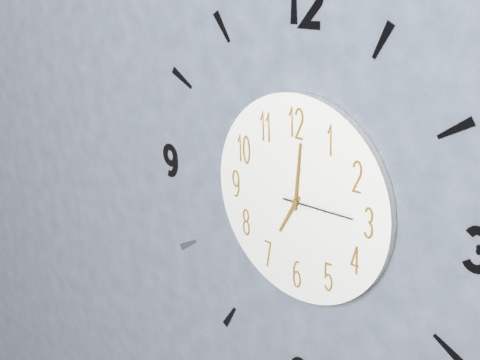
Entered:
7 h 01 min 15 s
